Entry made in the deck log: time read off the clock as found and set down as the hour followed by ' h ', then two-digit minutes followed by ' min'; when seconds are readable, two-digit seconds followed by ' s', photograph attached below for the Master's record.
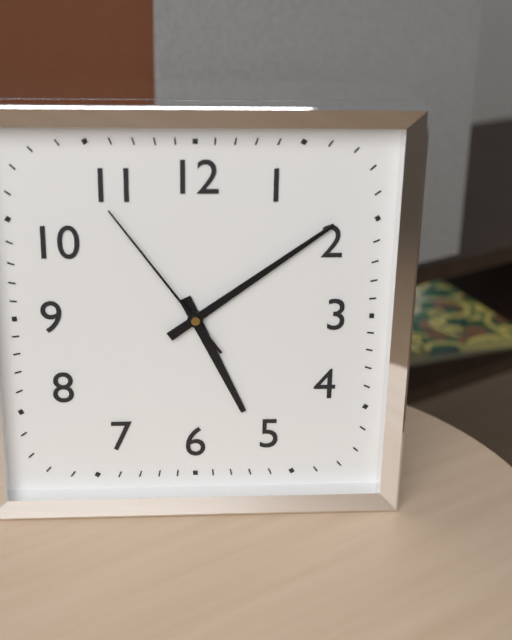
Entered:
5 h 09 min 54 s
